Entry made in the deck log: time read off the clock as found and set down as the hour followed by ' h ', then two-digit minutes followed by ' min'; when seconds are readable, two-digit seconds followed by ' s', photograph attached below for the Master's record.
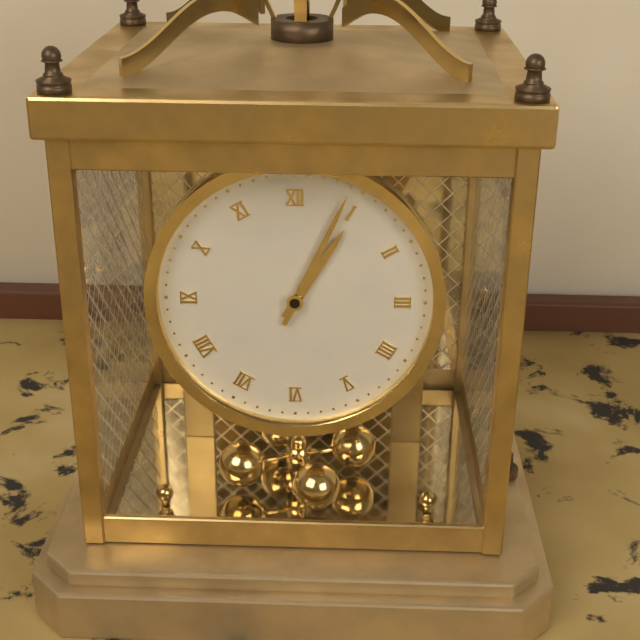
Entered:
1 h 04 min
